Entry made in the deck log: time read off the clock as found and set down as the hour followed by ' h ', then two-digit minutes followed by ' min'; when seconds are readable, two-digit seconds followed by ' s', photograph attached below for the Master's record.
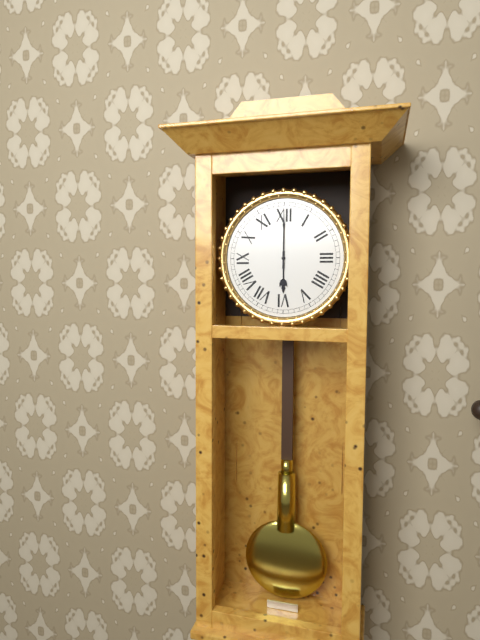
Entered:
6 h 00 min
